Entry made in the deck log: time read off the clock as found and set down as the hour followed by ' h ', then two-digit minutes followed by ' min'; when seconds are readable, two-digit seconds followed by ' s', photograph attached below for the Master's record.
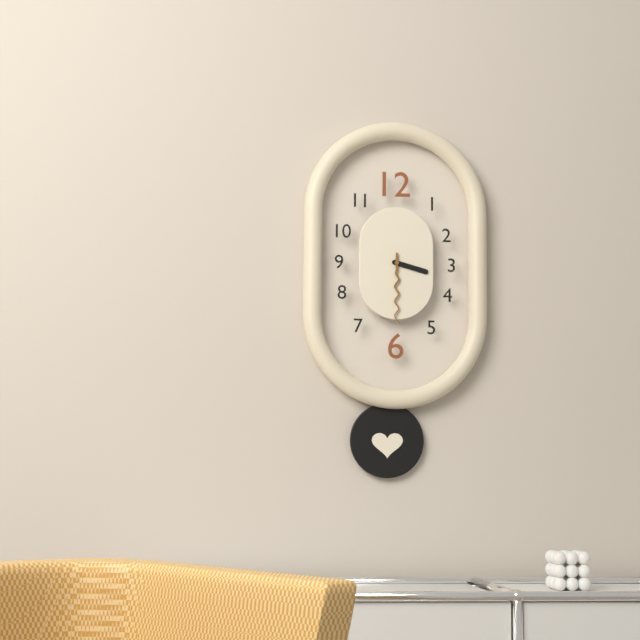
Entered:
3 h 30 min
